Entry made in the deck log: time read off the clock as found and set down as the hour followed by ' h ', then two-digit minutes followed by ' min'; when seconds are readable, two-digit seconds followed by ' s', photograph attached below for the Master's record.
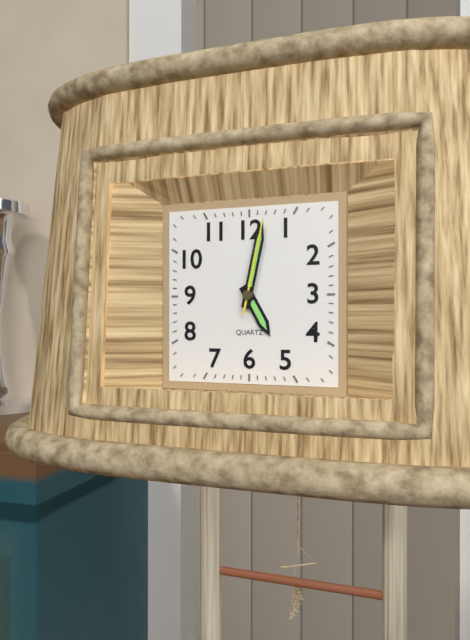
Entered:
5 h 02 min 02 s
